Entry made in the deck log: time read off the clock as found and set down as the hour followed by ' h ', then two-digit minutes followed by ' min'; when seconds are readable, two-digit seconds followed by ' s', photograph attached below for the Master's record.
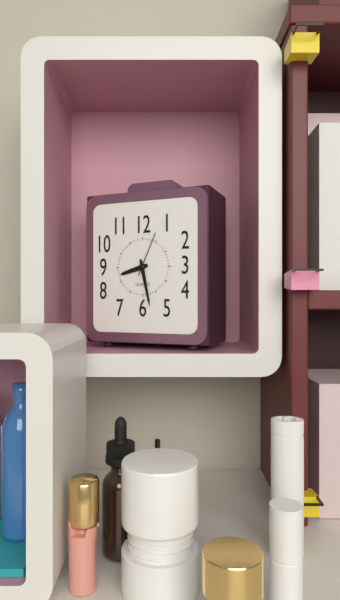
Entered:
8 h 28 min
